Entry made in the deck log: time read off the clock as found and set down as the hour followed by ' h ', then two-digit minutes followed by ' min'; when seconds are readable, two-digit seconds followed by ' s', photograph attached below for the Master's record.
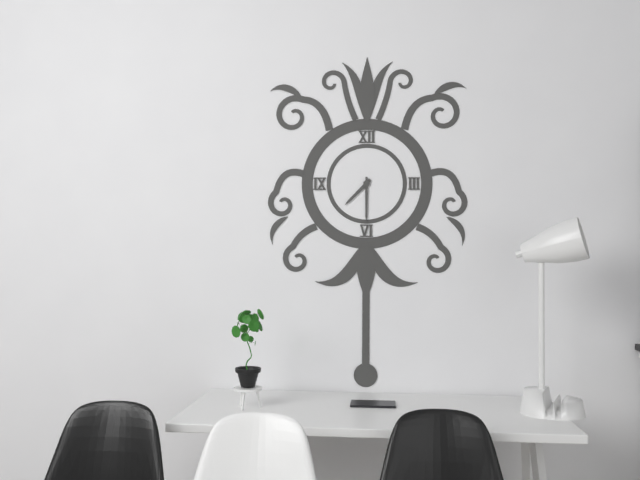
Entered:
7 h 30 min
